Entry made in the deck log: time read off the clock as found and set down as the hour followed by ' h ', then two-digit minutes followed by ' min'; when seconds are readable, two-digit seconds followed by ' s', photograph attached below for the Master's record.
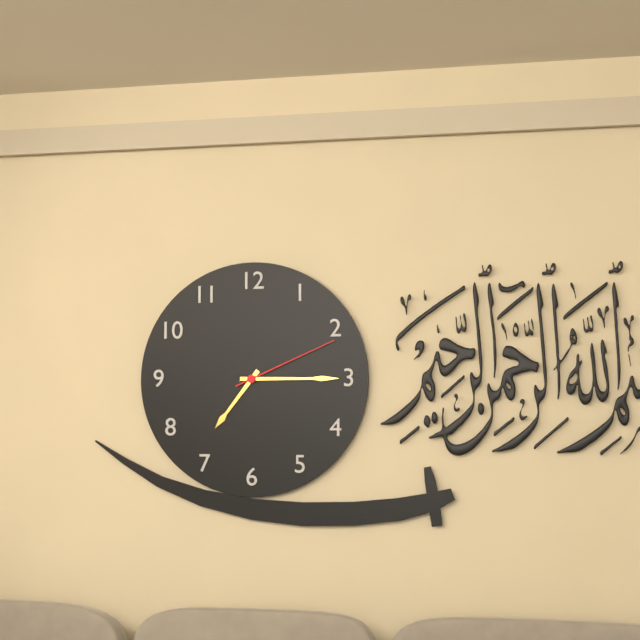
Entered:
7 h 15 min 11 s
